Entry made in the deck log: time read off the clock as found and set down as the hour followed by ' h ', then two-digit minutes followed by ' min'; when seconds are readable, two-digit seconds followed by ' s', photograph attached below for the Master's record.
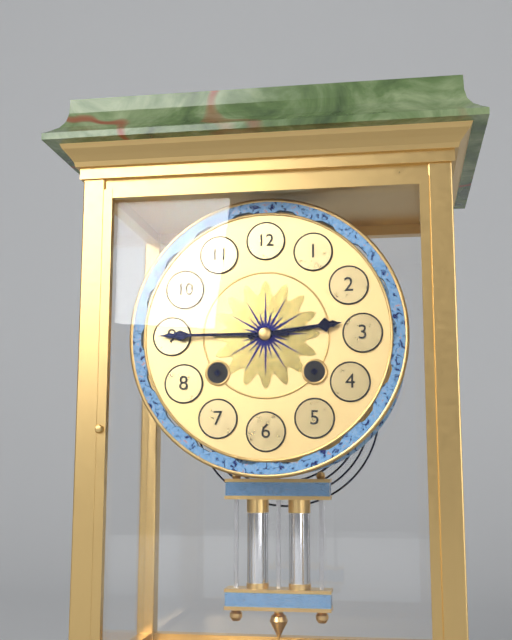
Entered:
2 h 45 min
